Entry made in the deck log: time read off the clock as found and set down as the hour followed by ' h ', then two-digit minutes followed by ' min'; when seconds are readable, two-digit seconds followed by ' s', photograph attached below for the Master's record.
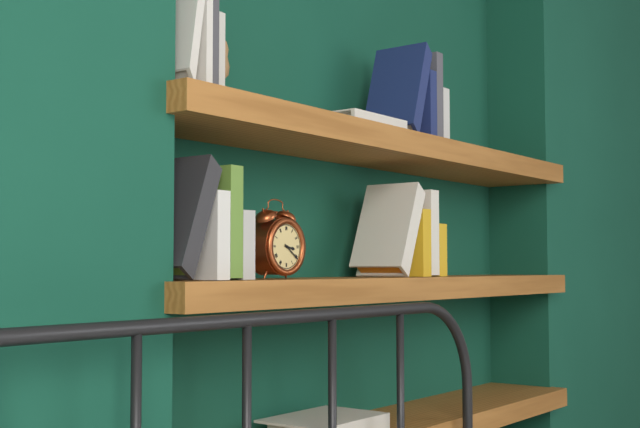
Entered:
3 h 21 min
